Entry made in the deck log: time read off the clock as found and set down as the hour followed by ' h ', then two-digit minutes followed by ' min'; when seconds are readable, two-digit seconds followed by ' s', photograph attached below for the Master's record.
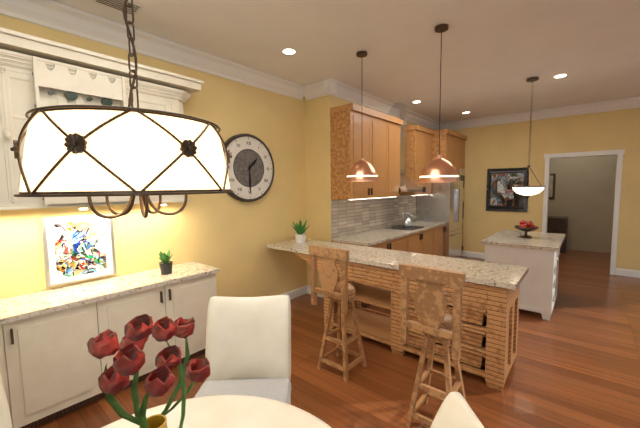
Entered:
1 h 30 min
